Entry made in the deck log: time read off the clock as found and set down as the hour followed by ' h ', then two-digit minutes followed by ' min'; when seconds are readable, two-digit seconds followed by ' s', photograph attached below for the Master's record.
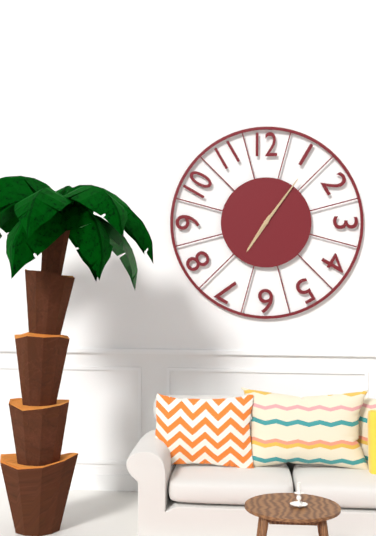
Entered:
7 h 06 min 06 s
